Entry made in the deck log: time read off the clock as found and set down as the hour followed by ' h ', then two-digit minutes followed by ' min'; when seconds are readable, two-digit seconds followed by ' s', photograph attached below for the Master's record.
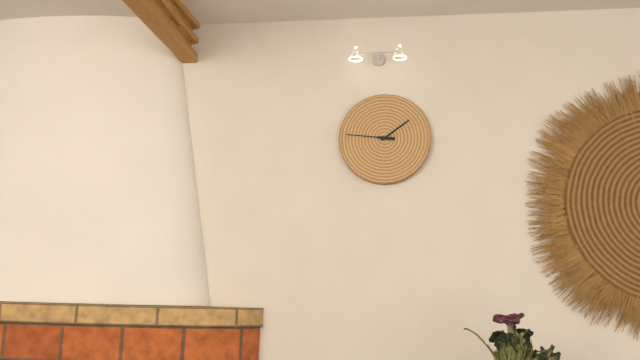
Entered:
1 h 46 min
